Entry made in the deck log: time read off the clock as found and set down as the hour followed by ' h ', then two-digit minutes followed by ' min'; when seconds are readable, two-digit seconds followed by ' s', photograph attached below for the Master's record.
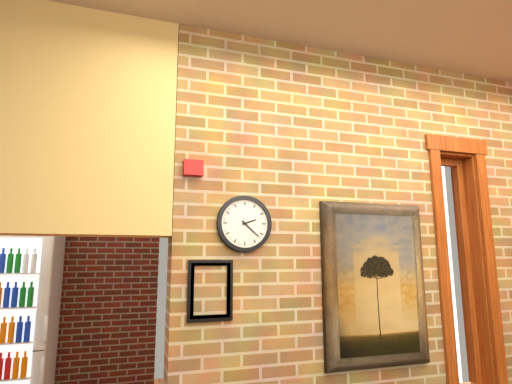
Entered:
2 h 22 min
